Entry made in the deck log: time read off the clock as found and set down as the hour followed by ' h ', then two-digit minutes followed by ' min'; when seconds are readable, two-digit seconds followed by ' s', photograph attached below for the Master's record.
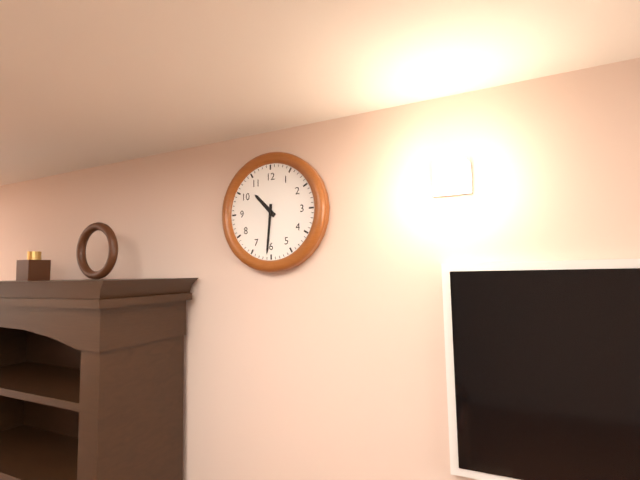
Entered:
10 h 31 min
